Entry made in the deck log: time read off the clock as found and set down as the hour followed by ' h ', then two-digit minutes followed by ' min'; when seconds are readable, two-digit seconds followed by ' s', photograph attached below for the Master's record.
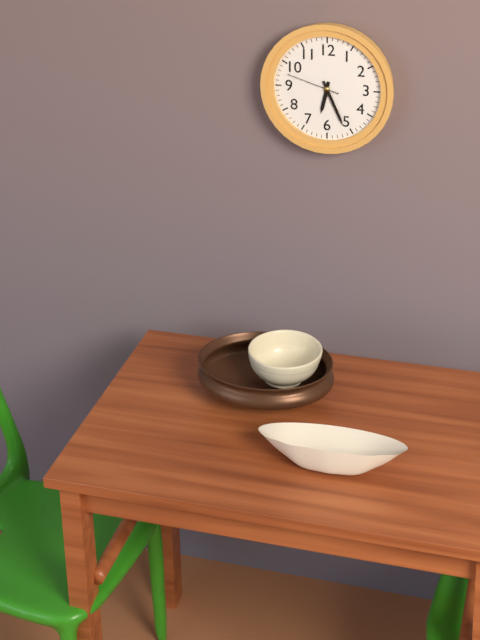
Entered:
6 h 26 min 48 s
